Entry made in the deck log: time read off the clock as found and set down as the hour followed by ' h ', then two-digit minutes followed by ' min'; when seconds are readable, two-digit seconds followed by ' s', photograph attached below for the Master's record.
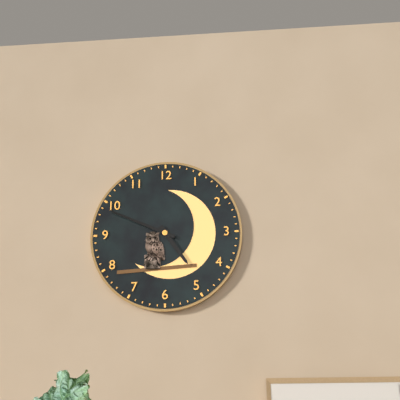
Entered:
4 h 49 min
